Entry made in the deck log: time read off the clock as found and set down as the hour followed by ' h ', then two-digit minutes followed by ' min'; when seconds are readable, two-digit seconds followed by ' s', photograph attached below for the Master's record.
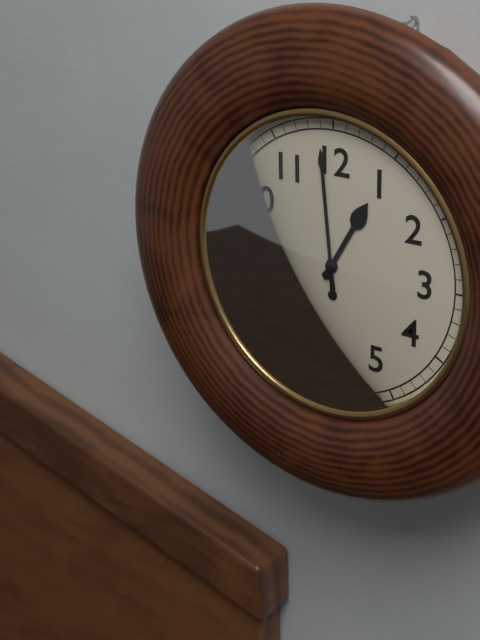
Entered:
12 h 59 min
